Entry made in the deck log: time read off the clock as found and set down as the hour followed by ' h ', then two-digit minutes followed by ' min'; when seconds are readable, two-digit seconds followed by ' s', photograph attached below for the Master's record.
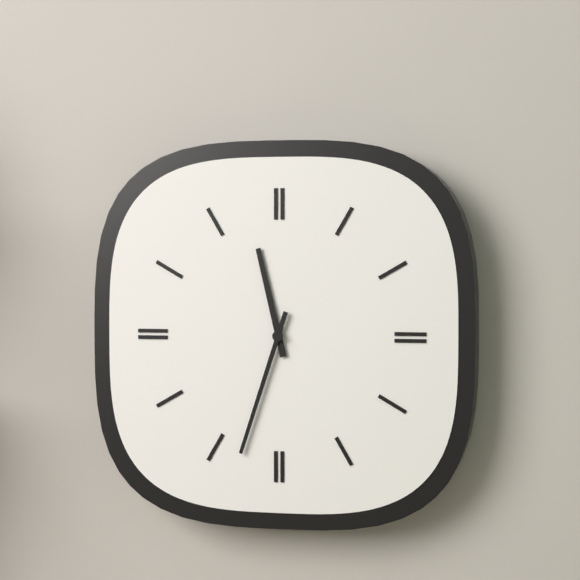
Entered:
11 h 33 min
